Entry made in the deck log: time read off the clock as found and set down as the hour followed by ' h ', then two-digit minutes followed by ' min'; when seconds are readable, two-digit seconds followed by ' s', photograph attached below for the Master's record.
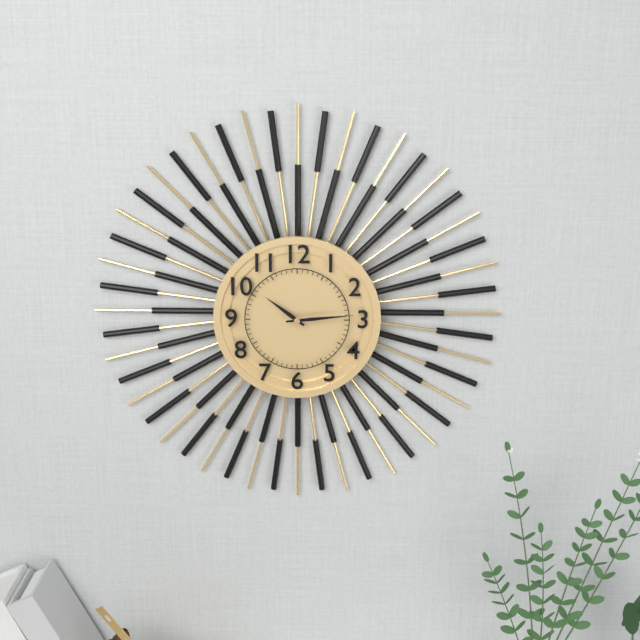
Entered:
10 h 14 min
